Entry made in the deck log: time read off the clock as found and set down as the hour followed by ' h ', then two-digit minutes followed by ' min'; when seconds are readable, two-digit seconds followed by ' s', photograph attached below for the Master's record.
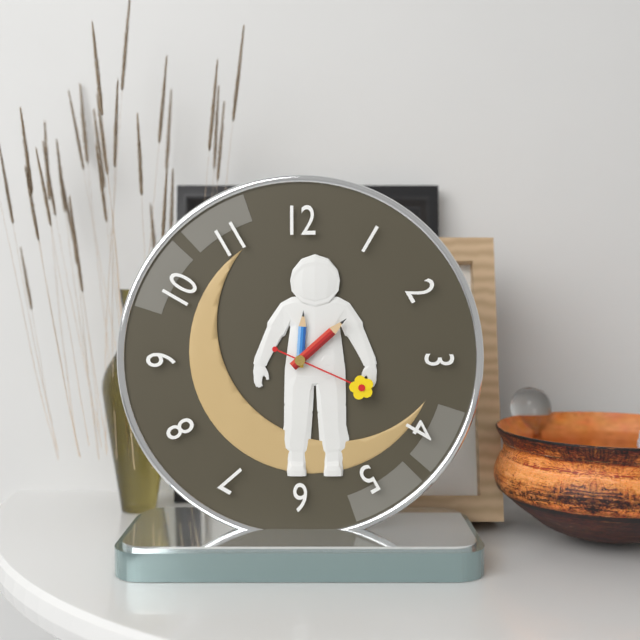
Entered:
12 h 08 min 19 s
